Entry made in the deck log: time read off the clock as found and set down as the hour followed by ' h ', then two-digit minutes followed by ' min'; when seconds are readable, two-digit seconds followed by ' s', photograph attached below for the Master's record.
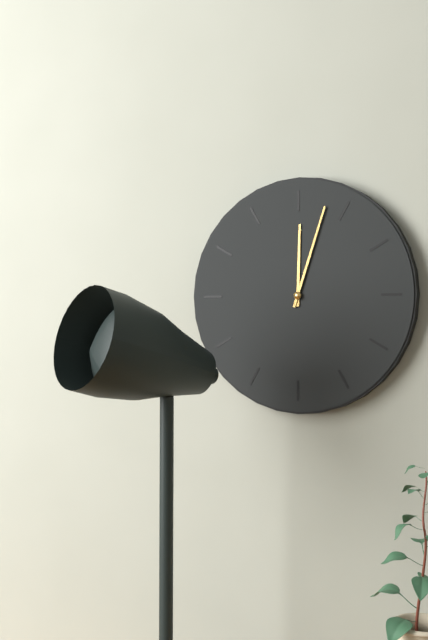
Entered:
12 h 03 min
